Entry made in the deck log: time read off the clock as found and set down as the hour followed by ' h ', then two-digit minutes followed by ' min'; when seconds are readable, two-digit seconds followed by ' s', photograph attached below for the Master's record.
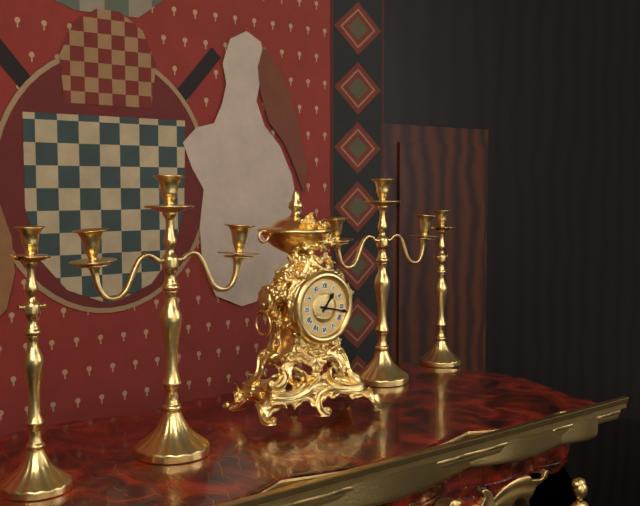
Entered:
1 h 17 min
